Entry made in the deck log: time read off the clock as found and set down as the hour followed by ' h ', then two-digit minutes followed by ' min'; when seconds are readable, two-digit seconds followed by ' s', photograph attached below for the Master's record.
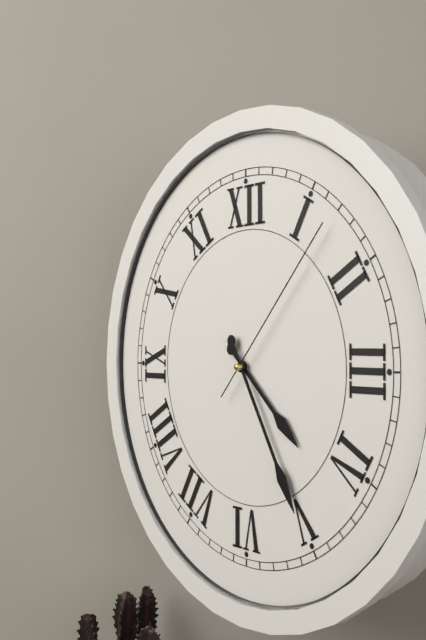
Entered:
4 h 25 min 07 s
